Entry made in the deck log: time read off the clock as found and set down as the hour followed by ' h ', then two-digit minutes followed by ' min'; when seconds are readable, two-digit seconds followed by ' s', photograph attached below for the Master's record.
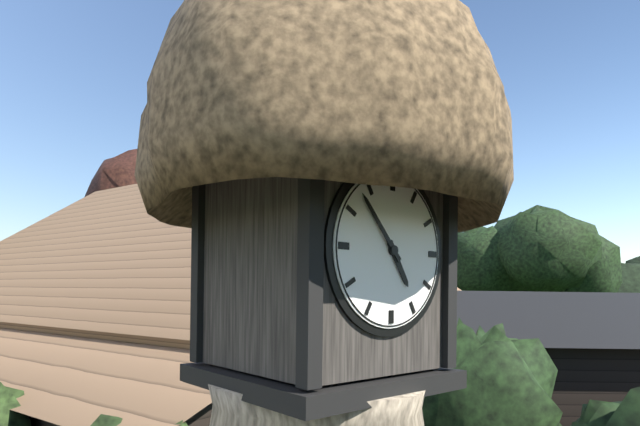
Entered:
4 h 53 min
